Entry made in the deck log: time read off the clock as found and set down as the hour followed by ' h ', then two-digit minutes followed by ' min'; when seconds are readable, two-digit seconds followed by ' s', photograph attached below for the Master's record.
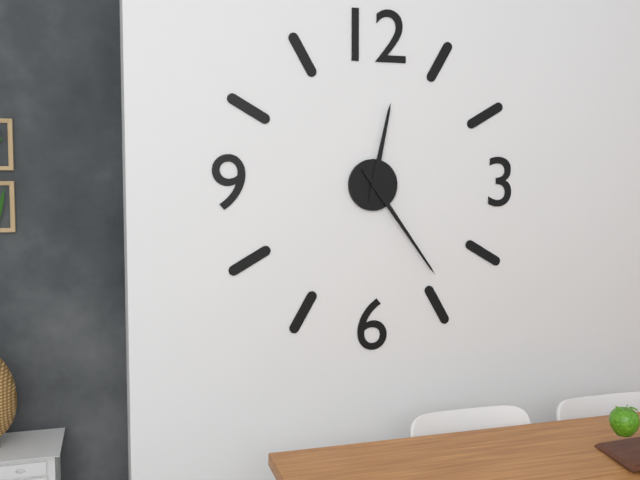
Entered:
12 h 24 min
